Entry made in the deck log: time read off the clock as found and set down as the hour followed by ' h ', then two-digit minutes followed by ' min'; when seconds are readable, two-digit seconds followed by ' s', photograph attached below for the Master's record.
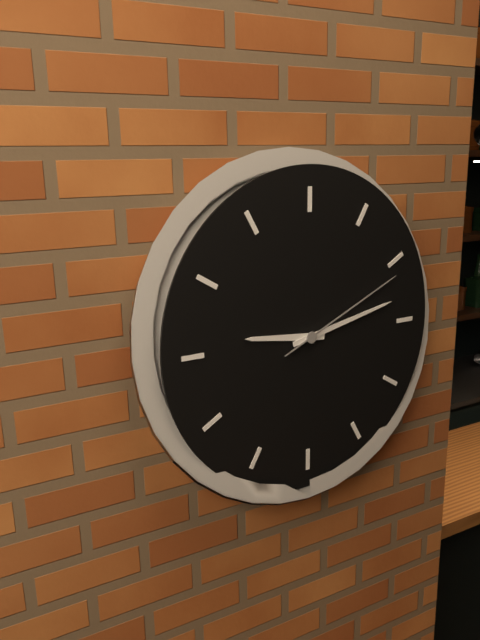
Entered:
9 h 13 min 11 s
